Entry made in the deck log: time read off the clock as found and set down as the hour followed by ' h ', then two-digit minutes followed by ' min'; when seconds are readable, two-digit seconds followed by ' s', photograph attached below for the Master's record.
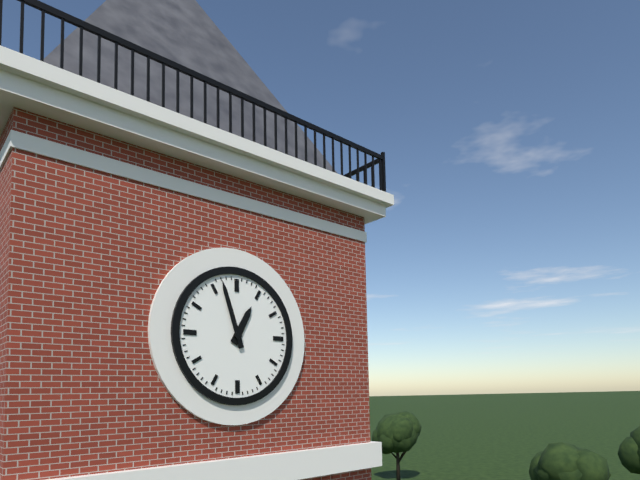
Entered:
12 h 57 min
